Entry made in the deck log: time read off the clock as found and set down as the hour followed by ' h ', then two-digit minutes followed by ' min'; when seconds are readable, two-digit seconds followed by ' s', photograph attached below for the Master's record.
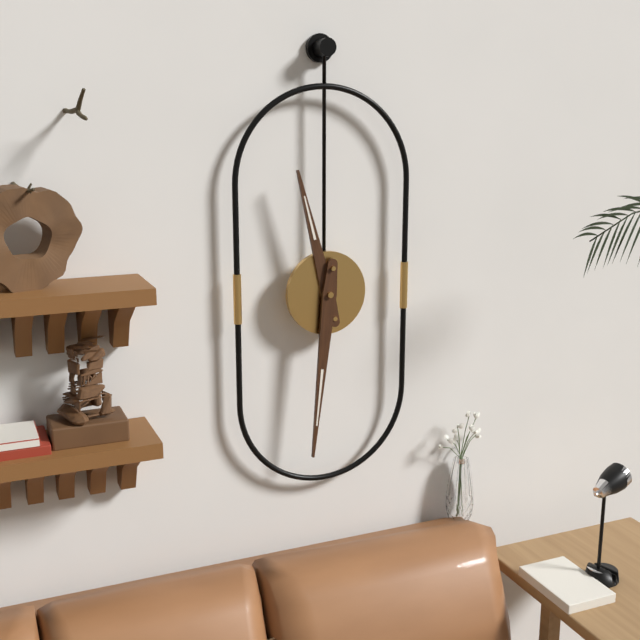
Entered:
11 h 31 min
